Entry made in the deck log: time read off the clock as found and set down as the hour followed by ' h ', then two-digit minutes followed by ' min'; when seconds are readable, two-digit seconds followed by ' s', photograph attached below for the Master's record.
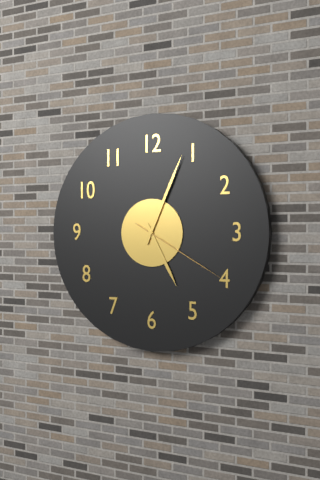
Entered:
5 h 04 min 20 s
